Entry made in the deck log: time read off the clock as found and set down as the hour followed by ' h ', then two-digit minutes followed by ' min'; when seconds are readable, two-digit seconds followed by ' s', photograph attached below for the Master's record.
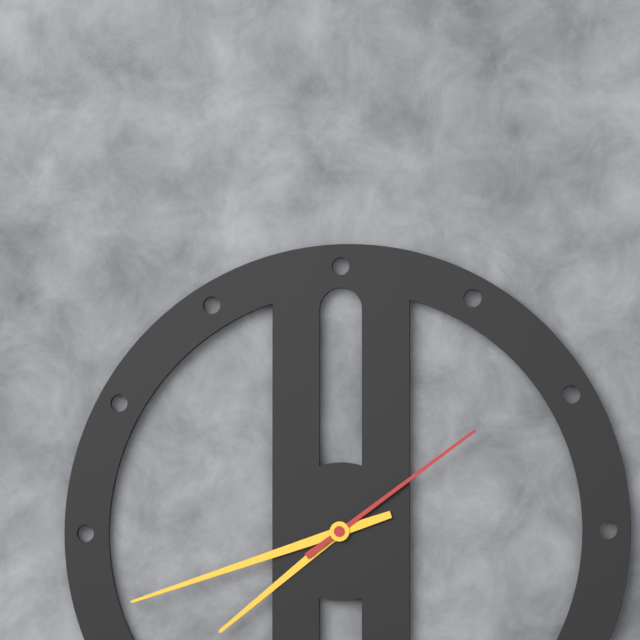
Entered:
7 h 42 min 09 s
